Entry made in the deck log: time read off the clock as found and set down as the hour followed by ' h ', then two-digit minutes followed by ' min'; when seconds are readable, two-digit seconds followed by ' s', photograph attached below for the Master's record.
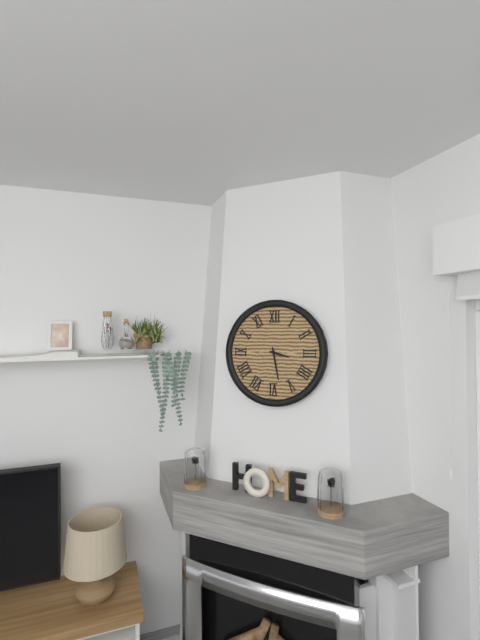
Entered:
3 h 28 min
